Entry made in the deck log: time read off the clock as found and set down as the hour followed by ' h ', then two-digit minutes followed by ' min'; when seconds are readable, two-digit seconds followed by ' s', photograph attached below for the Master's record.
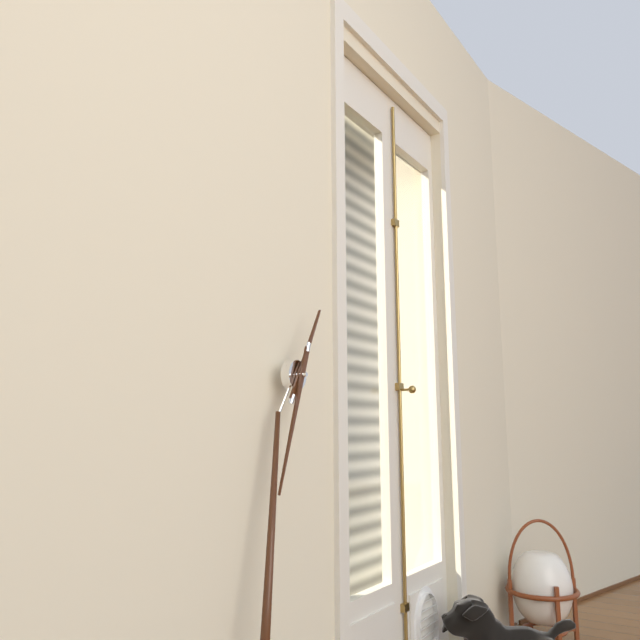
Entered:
12 h 31 min
